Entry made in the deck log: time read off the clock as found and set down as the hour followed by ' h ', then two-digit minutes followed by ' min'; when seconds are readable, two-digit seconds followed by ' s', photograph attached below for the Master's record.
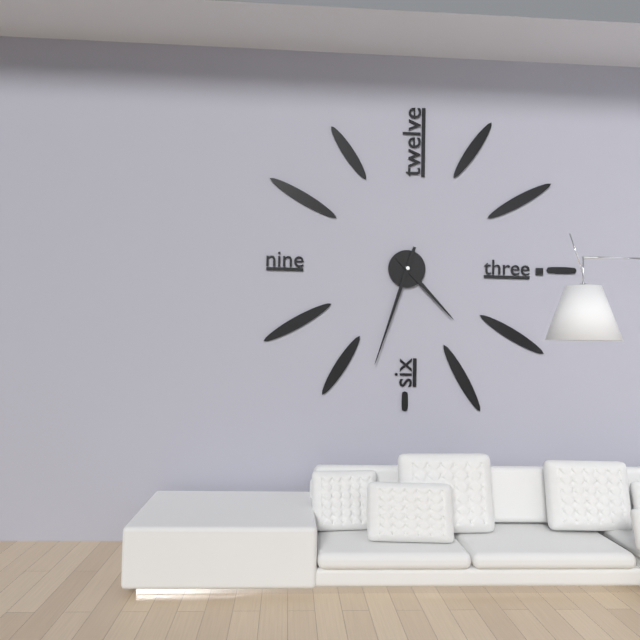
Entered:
4 h 33 min
